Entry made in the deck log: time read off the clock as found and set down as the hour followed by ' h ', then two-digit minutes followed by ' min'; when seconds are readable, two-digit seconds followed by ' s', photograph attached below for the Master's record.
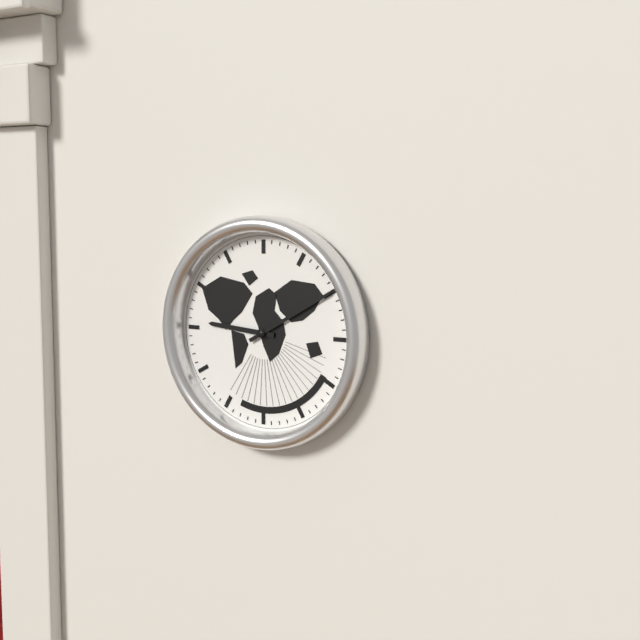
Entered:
9 h 10 min
